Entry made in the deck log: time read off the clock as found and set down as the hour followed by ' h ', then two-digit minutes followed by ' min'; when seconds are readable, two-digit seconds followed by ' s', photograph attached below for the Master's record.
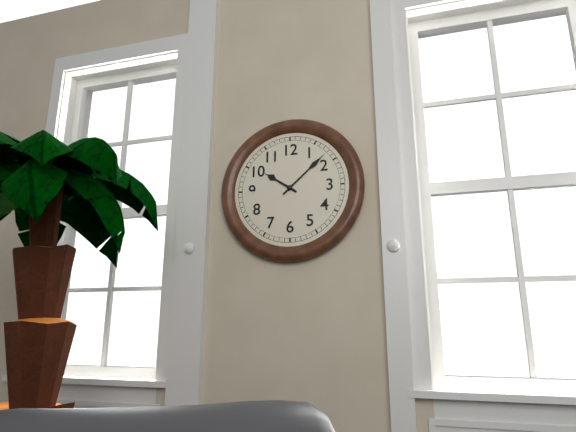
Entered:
10 h 08 min
